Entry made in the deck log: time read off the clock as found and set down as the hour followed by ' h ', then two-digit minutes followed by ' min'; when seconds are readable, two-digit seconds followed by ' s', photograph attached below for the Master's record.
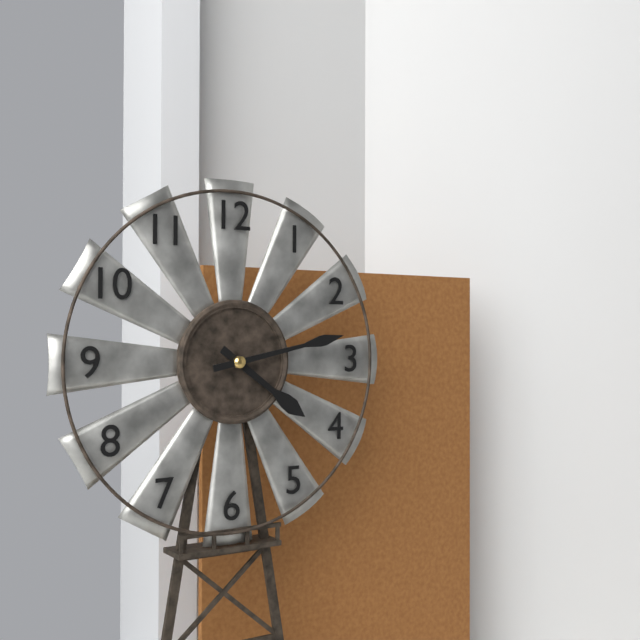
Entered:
4 h 13 min
